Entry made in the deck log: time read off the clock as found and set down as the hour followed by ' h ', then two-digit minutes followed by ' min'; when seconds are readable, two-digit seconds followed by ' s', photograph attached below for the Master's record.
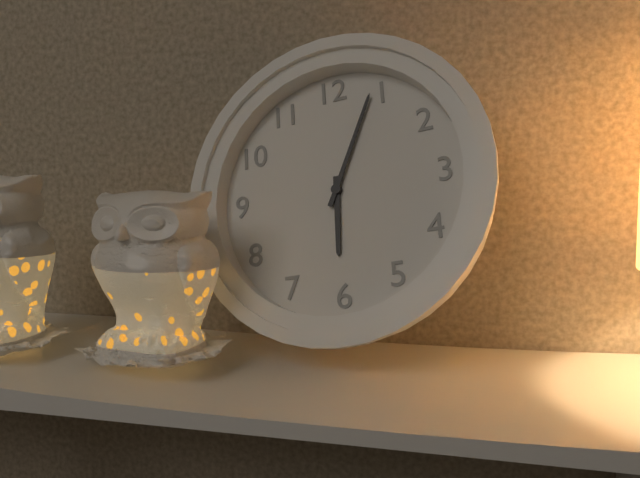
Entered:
6 h 04 min
